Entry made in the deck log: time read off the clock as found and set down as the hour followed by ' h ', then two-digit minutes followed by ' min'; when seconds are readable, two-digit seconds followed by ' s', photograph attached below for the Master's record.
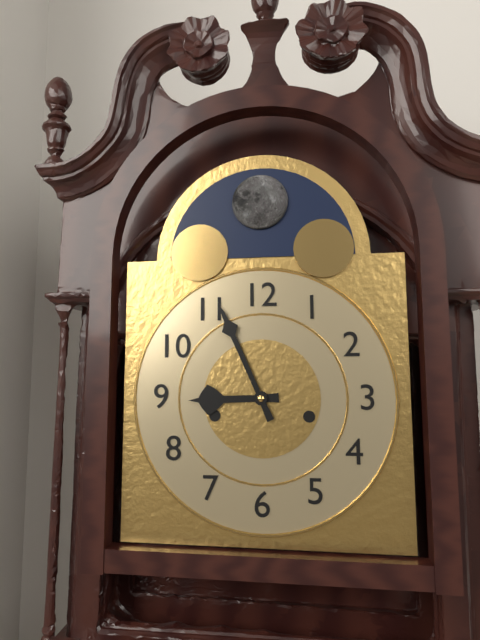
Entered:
8 h 56 min
